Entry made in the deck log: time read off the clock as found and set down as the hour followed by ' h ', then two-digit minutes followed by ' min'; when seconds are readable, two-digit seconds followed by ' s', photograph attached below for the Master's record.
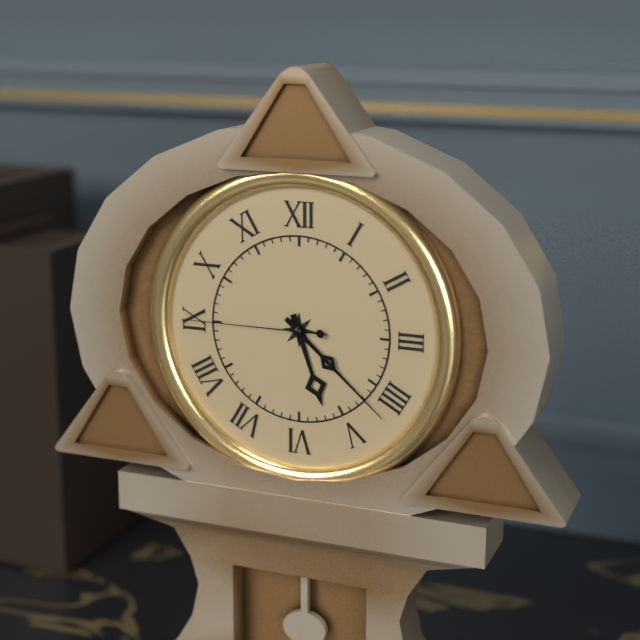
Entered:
5 h 22 min 45 s
